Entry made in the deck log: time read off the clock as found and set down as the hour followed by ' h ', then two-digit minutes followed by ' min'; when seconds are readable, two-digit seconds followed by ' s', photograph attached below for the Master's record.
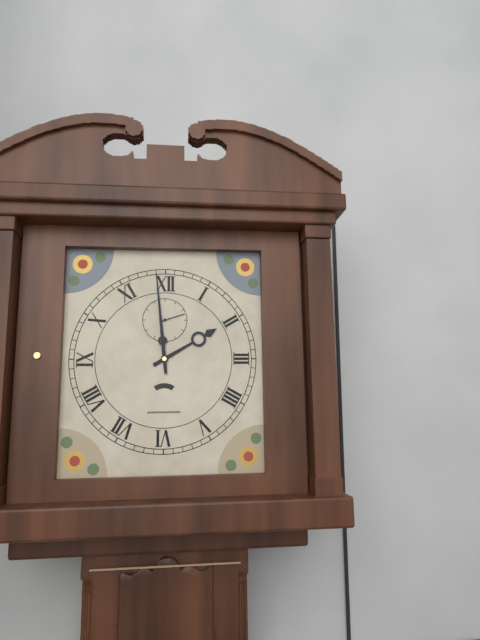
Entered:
1 h 59 min
